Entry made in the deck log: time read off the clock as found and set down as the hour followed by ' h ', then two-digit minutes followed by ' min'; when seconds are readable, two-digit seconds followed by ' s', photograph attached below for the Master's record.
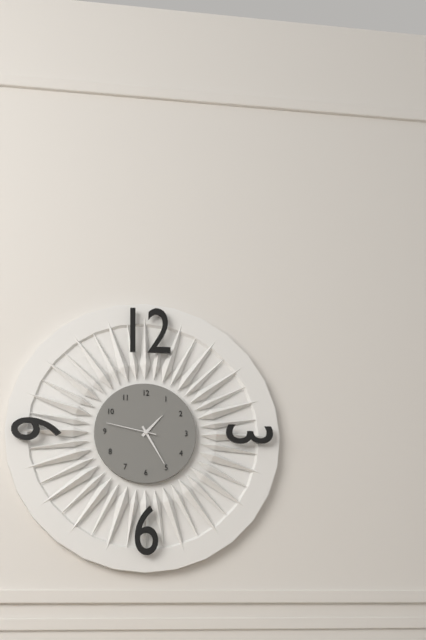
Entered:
1 h 25 min 47 s
